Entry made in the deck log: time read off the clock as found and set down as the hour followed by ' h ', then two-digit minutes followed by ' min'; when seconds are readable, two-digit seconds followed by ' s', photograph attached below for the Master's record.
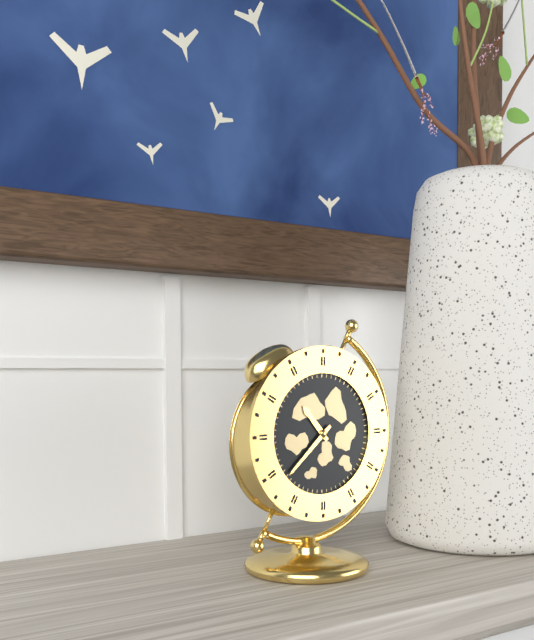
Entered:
10 h 38 min
